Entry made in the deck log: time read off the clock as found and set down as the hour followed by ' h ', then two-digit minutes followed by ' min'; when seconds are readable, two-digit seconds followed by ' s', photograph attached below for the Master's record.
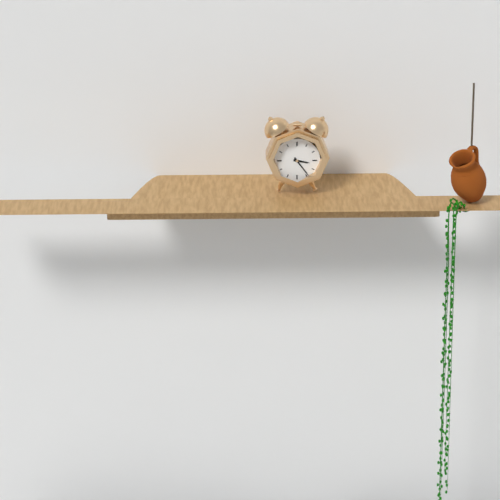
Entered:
3 h 24 min
